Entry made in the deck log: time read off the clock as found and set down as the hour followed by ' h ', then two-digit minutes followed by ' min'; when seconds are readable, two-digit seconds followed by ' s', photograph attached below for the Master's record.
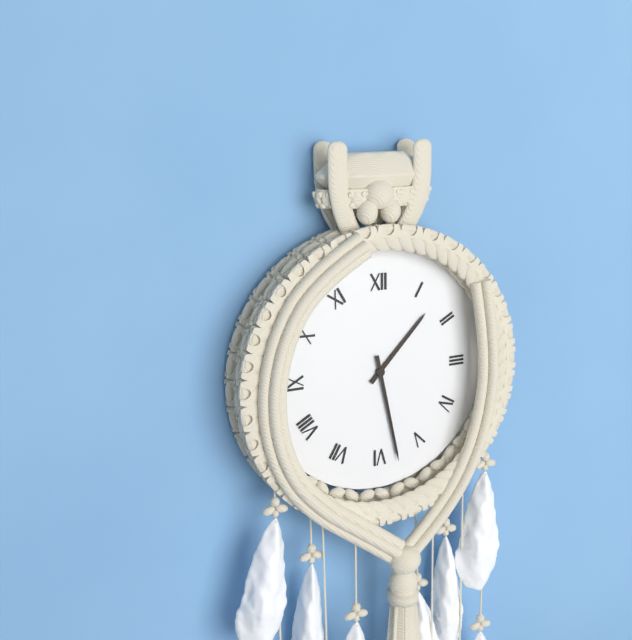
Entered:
1 h 28 min
